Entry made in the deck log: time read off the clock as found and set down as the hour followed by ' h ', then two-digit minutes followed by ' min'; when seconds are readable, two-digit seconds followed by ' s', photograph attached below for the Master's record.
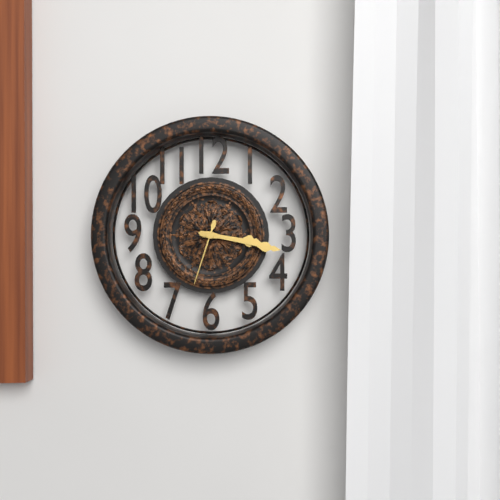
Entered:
3 h 17 min 33 s
